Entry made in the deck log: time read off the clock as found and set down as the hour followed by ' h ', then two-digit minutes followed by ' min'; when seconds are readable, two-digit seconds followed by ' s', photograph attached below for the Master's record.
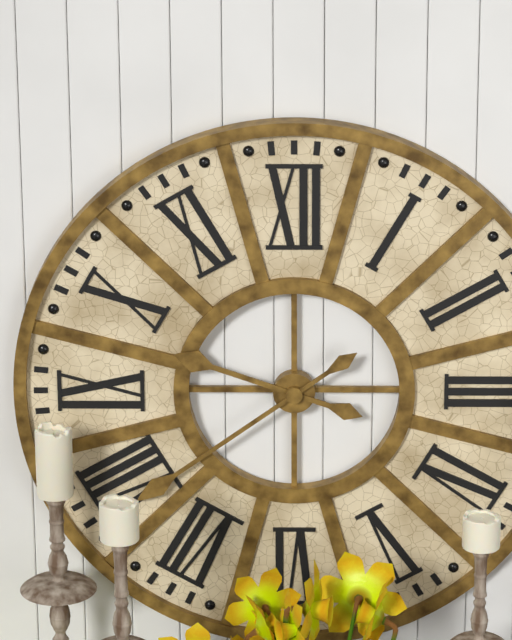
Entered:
9 h 39 min
